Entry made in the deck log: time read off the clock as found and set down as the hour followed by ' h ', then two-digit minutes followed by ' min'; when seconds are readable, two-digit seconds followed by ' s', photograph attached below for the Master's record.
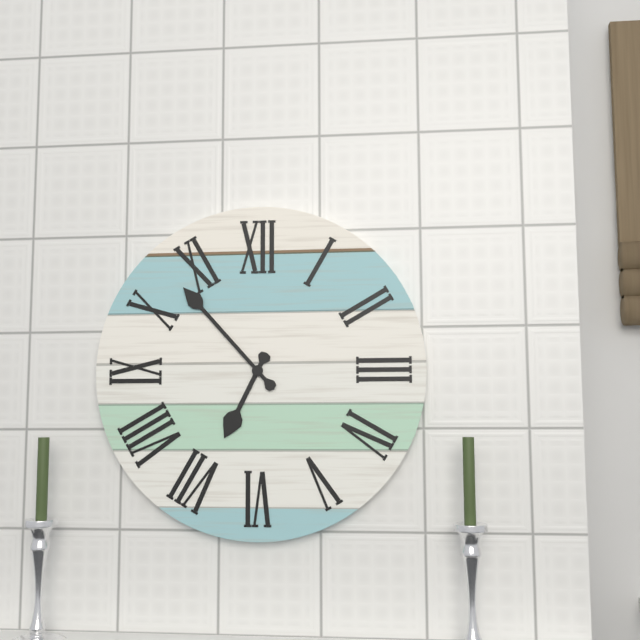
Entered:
6 h 53 min
